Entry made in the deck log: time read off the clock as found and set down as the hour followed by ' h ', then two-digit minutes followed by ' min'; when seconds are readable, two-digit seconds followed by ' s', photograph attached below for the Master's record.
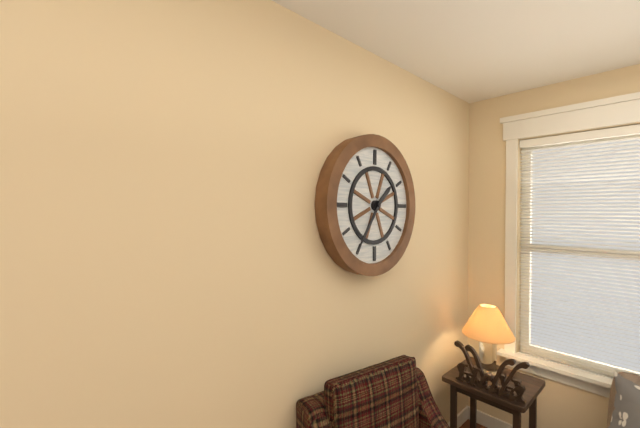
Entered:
1 h 36 min
